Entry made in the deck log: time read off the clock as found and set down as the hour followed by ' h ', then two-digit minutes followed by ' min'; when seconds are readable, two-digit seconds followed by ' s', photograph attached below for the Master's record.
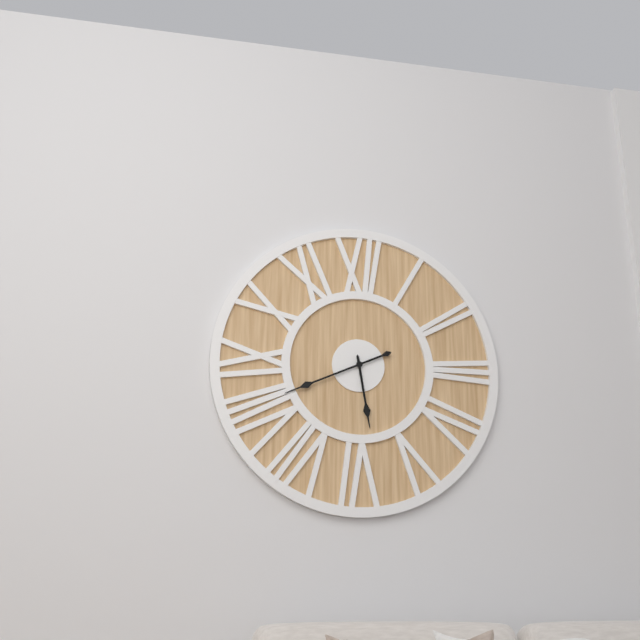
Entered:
5 h 41 min
